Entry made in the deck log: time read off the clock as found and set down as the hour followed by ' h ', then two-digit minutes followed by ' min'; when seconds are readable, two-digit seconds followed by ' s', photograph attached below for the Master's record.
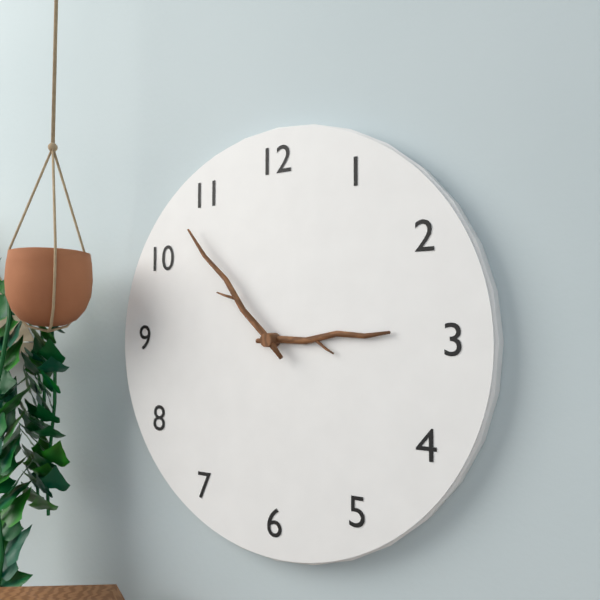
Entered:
2 h 53 min
